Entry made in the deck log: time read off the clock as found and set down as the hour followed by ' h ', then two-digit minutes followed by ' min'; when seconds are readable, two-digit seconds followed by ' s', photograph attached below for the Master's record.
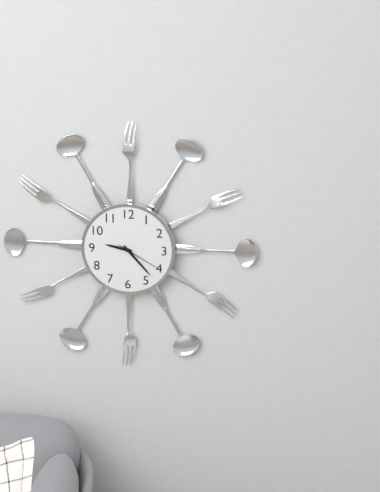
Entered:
9 h 23 min
